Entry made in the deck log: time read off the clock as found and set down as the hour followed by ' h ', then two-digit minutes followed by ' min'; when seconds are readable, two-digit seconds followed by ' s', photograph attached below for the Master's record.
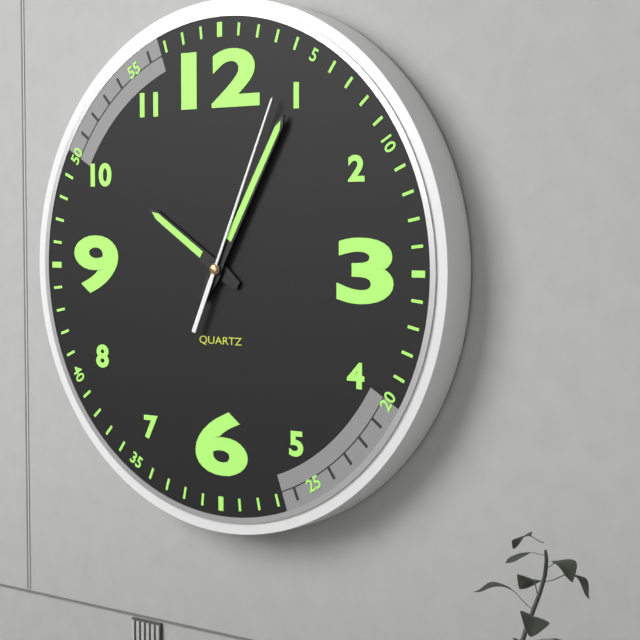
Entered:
10 h 05 min 04 s
